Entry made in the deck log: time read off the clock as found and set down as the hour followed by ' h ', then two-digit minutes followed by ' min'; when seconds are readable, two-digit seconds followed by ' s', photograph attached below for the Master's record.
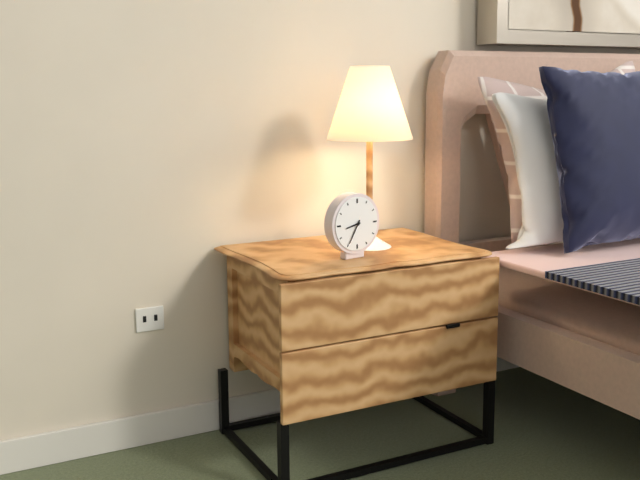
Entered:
8 h 35 min
